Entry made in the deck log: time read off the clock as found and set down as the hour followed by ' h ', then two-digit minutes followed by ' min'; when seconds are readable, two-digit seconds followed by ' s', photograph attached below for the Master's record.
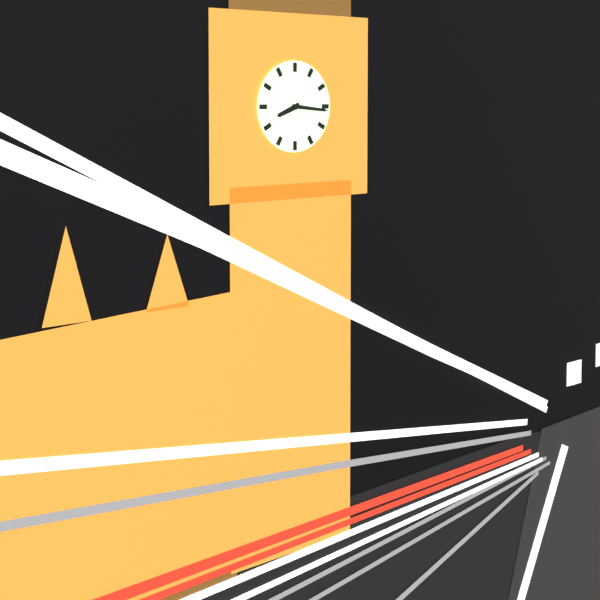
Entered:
8 h 16 min
